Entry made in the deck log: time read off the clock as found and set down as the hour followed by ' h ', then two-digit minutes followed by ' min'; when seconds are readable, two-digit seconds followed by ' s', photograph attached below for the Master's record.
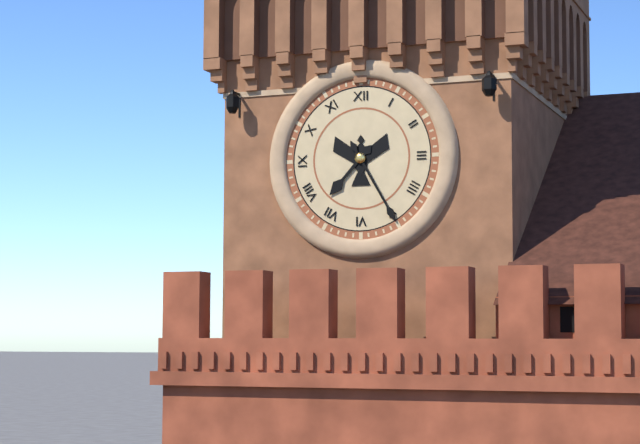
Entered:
7 h 25 min
